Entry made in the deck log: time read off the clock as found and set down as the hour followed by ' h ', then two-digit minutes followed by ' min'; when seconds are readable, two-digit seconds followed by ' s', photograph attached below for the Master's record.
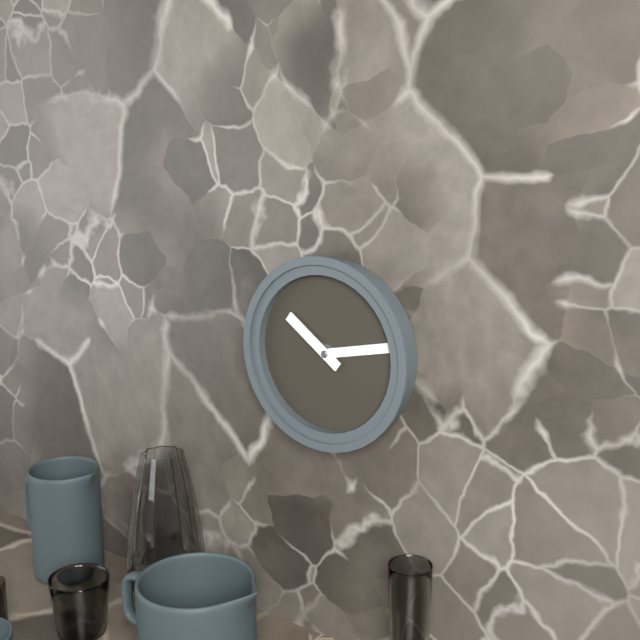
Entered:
10 h 13 min
